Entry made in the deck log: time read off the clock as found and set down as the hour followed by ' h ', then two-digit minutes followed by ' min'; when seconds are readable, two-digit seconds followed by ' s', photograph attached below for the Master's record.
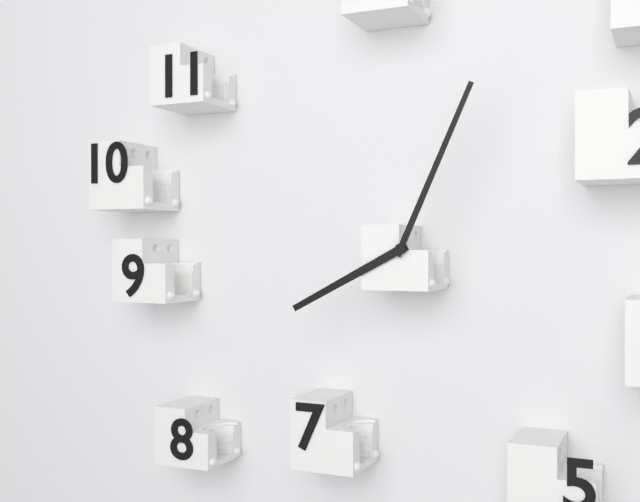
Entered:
8 h 04 min
